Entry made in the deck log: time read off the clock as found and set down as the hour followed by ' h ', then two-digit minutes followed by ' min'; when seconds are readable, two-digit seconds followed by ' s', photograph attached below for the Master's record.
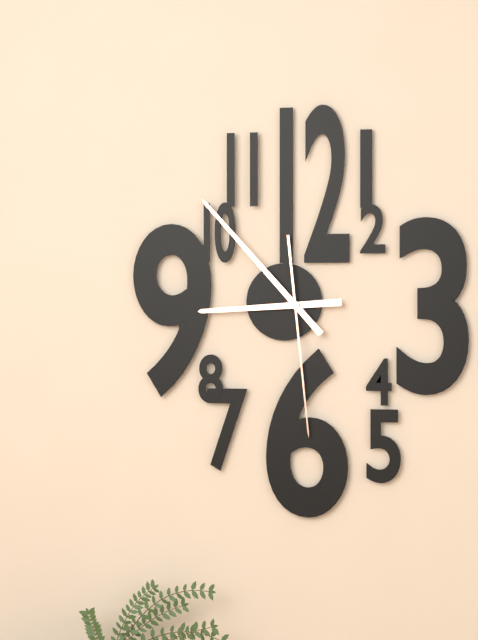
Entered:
8 h 53 min 29 s
